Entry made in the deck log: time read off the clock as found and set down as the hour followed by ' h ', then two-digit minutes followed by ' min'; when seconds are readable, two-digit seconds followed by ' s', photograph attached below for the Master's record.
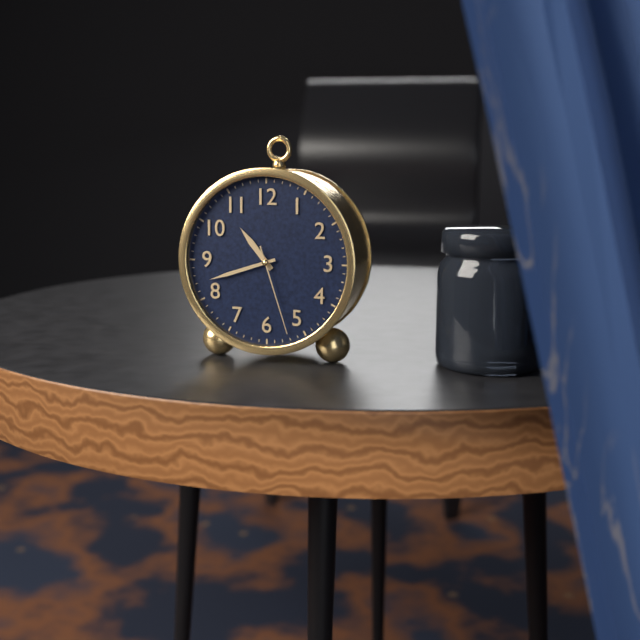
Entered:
10 h 42 min 27 s
